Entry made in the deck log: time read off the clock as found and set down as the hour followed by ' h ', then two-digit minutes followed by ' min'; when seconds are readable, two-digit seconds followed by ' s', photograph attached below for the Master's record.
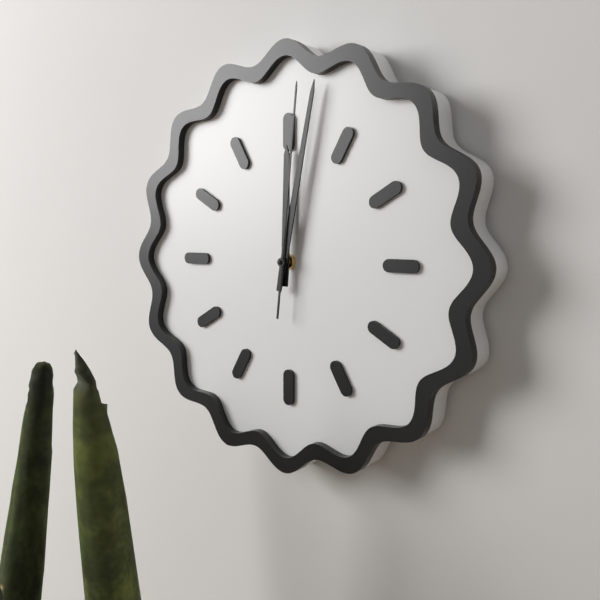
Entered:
12 h 02 min 01 s
